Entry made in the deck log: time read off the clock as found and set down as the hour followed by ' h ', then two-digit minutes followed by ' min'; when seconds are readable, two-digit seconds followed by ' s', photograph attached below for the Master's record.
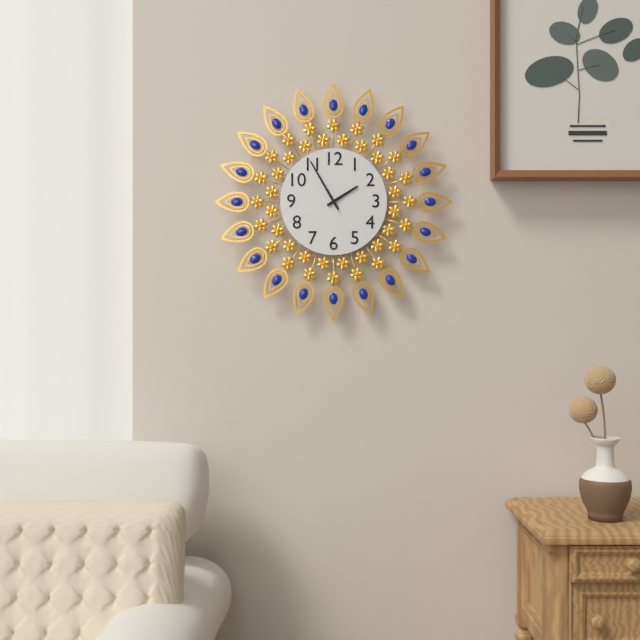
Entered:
1 h 55 min
